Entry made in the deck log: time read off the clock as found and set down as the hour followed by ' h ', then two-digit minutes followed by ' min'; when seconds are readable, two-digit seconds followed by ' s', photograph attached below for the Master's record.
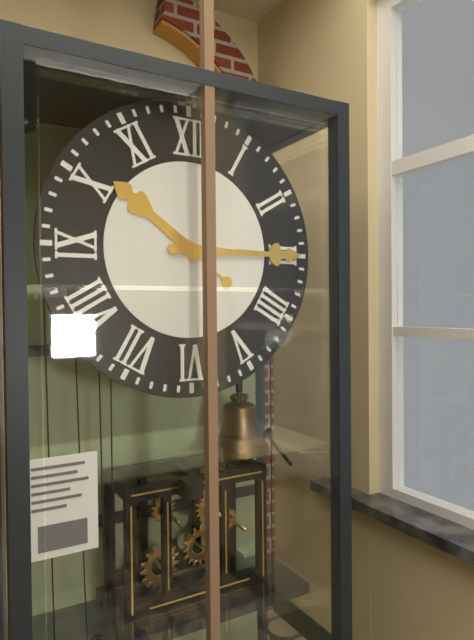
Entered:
10 h 15 min
